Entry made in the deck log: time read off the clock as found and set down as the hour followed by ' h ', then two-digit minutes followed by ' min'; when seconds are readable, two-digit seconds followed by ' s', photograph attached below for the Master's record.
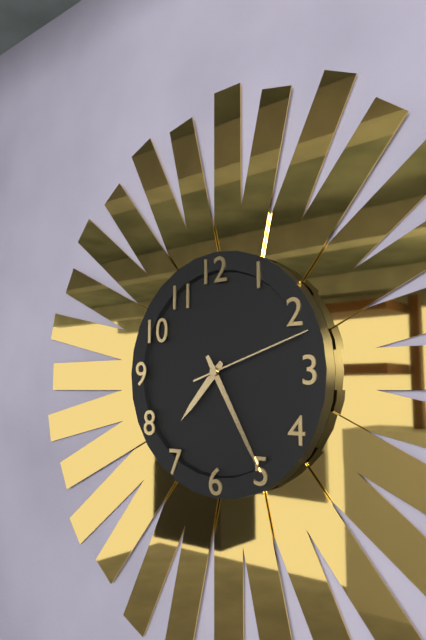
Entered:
7 h 25 min 12 s
